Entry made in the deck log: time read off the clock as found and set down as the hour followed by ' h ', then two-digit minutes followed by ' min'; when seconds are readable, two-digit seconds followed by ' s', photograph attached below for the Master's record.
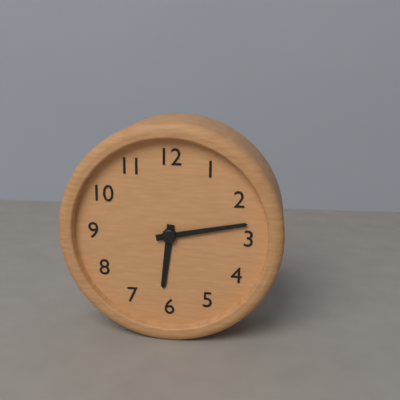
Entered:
6 h 13 min
